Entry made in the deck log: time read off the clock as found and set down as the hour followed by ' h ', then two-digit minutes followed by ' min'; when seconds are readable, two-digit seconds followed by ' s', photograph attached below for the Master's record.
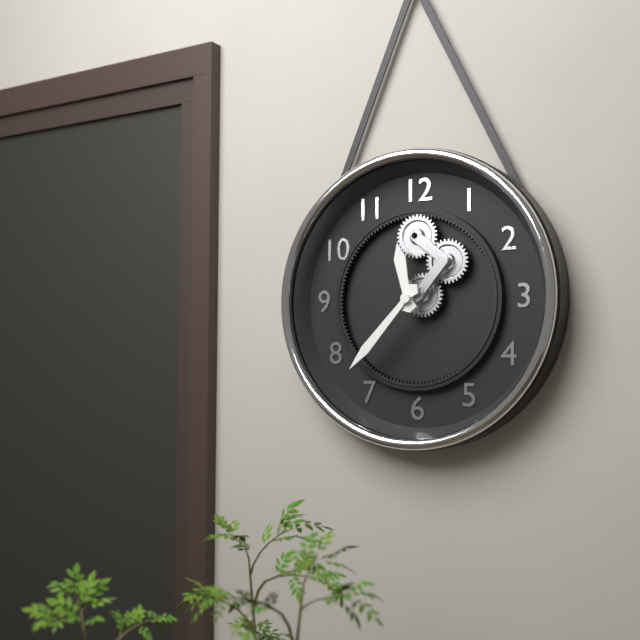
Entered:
11 h 37 min
